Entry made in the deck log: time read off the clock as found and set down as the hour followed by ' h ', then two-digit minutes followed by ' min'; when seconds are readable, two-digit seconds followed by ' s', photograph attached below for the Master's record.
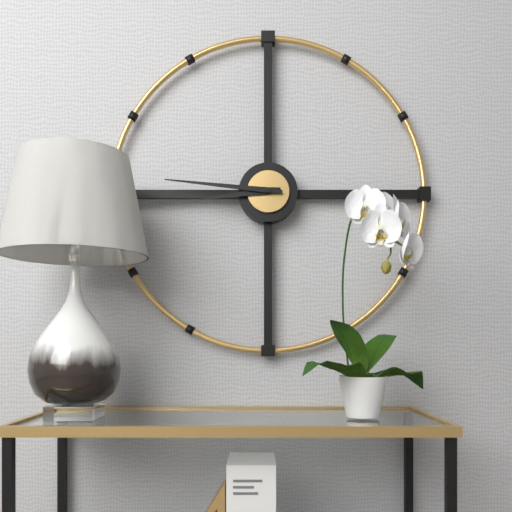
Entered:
8 h 46 min
